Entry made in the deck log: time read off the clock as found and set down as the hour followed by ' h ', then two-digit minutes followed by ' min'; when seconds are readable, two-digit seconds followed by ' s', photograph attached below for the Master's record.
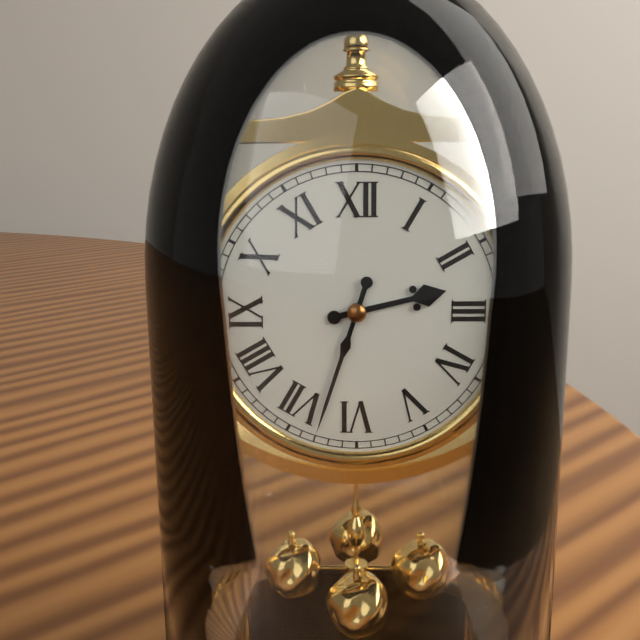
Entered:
2 h 33 min
